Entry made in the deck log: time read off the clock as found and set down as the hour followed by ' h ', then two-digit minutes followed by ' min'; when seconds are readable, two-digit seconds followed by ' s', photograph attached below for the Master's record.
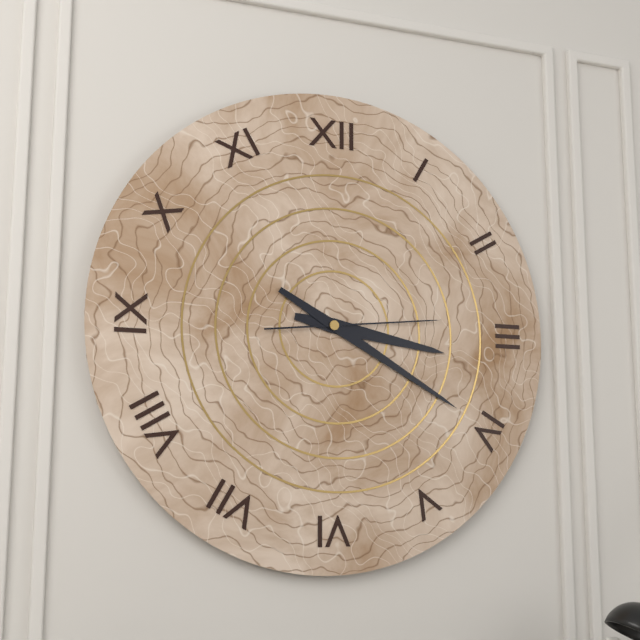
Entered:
3 h 20 min 14 s
